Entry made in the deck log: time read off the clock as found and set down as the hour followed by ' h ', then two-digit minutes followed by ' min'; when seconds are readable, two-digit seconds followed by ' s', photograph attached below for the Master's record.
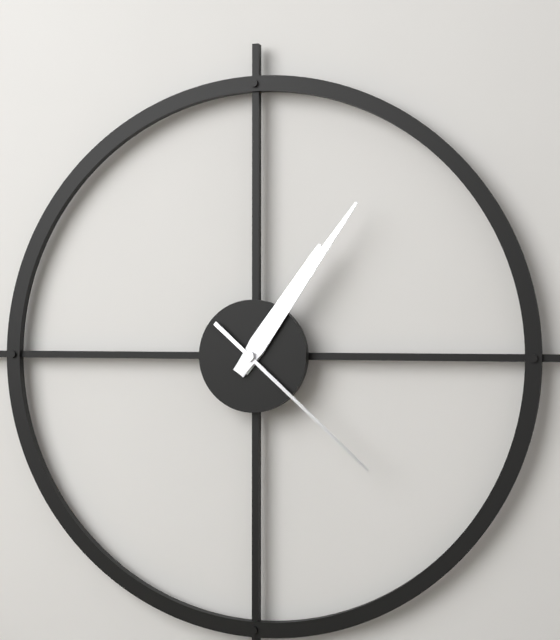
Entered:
1 h 06 min 22 s
